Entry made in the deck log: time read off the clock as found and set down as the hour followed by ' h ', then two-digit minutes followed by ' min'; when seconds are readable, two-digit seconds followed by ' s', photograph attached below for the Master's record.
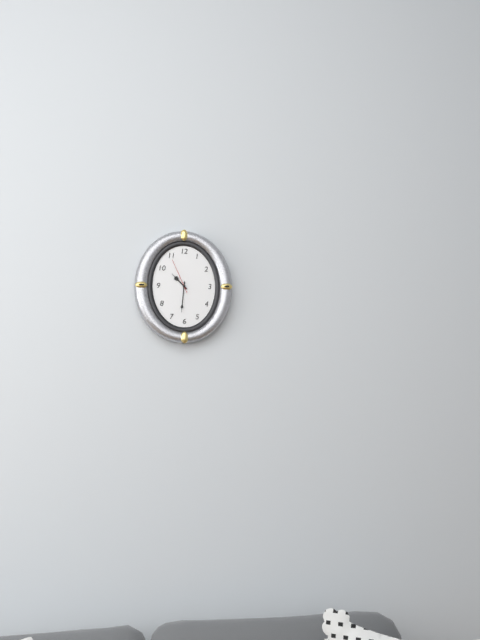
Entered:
10 h 31 min
